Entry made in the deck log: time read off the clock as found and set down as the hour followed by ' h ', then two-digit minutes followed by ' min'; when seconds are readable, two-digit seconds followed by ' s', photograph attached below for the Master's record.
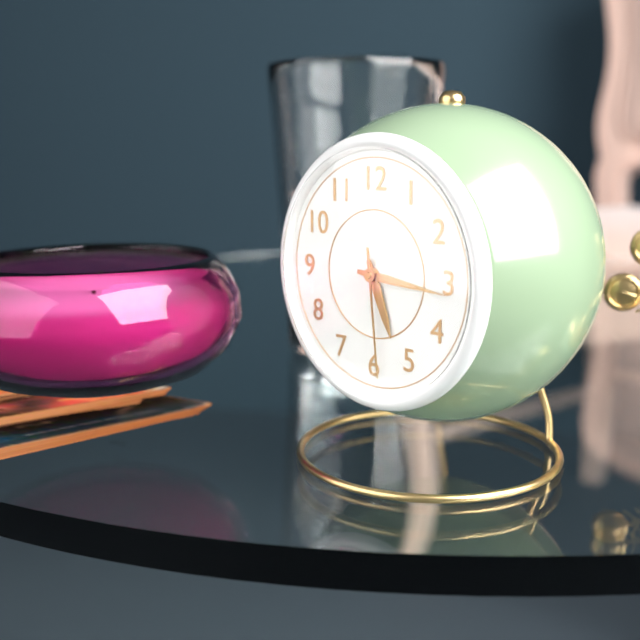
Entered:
5 h 16 min 29 s
